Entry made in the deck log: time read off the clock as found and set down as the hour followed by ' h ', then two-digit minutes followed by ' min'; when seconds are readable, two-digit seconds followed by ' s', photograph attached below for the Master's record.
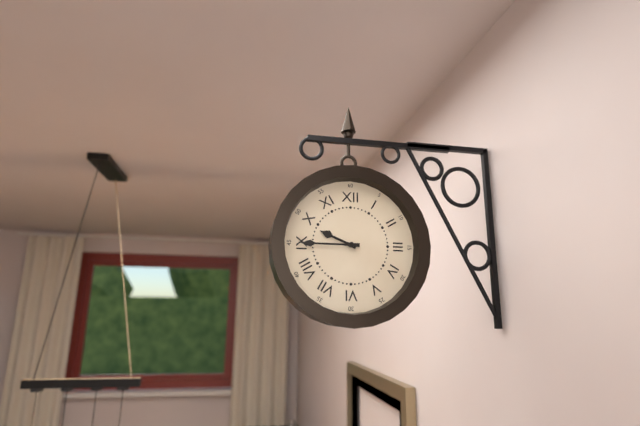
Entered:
9 h 45 min
